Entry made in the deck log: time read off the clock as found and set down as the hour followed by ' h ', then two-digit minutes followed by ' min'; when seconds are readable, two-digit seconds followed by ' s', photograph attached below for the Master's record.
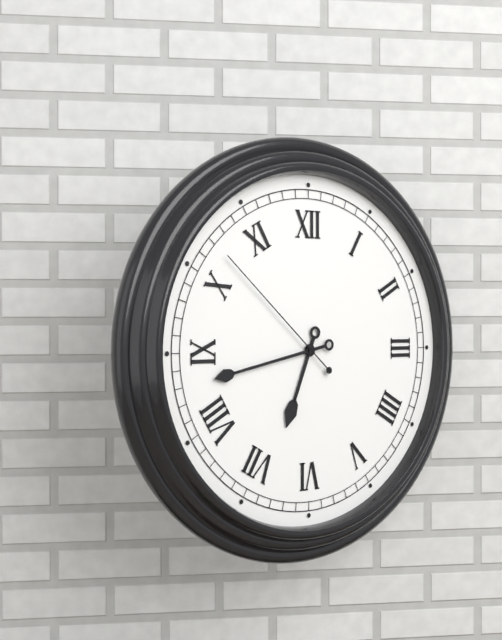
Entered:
6 h 43 min 52 s
